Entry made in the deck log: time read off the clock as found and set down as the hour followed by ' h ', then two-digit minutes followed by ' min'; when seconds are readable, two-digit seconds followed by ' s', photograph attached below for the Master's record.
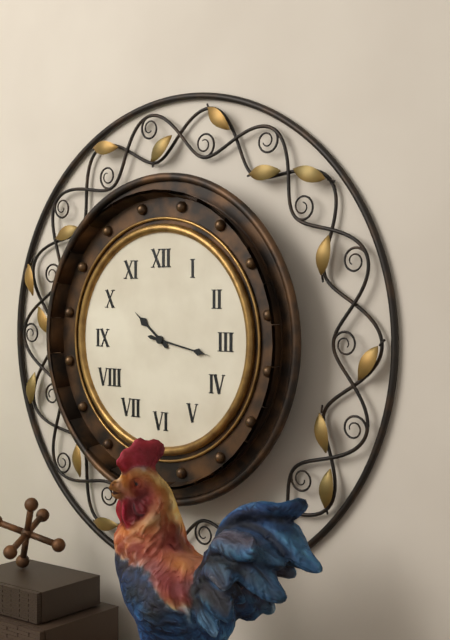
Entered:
10 h 17 min
